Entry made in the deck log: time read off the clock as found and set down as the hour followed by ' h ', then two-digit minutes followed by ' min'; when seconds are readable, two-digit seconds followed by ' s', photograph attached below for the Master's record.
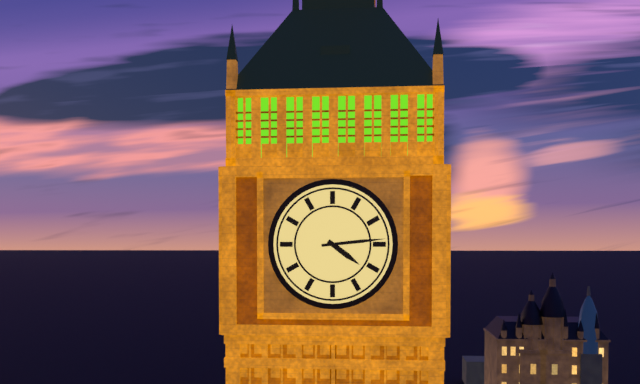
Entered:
4 h 14 min
